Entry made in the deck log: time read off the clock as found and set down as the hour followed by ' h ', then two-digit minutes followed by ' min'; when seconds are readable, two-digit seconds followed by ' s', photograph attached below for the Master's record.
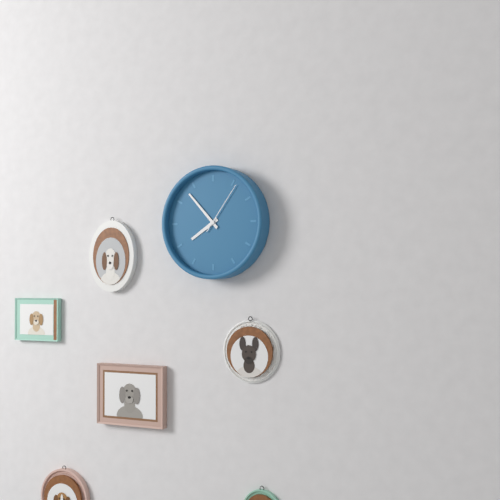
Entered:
7 h 53 min 06 s
